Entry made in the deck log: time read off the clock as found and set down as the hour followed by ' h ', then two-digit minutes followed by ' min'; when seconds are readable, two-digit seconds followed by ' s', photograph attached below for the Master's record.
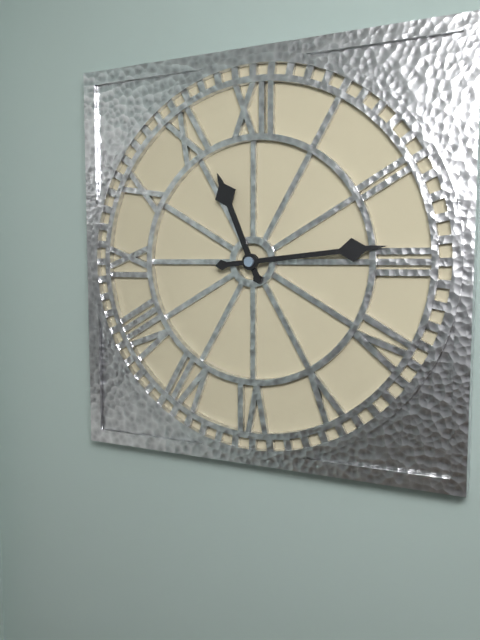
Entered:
11 h 14 min
